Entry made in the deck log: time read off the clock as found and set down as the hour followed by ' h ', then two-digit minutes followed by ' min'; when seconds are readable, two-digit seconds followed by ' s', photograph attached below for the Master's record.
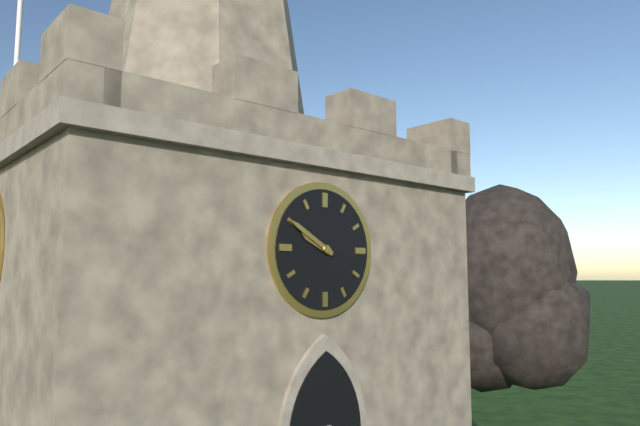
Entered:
9 h 50 min
